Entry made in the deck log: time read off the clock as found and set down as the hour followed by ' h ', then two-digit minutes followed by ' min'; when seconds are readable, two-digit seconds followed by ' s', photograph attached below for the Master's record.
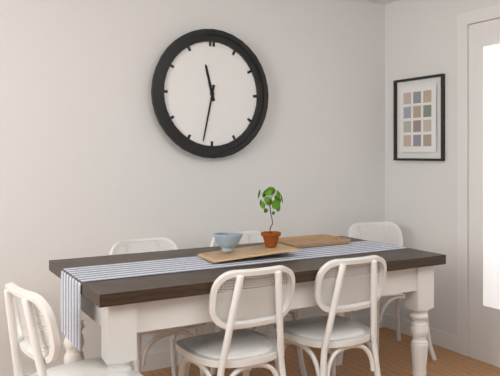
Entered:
11 h 32 min
